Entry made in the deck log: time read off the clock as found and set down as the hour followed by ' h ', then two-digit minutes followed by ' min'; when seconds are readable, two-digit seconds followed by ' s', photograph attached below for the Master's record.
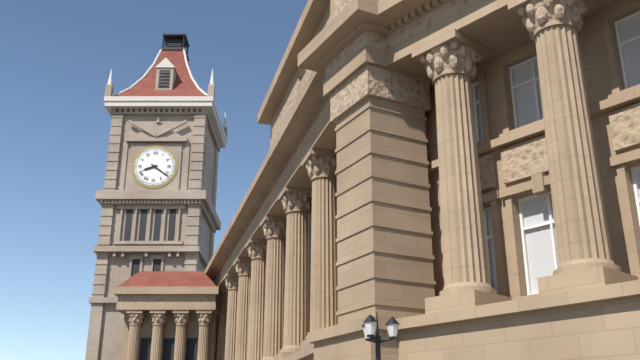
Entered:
8 h 21 min
